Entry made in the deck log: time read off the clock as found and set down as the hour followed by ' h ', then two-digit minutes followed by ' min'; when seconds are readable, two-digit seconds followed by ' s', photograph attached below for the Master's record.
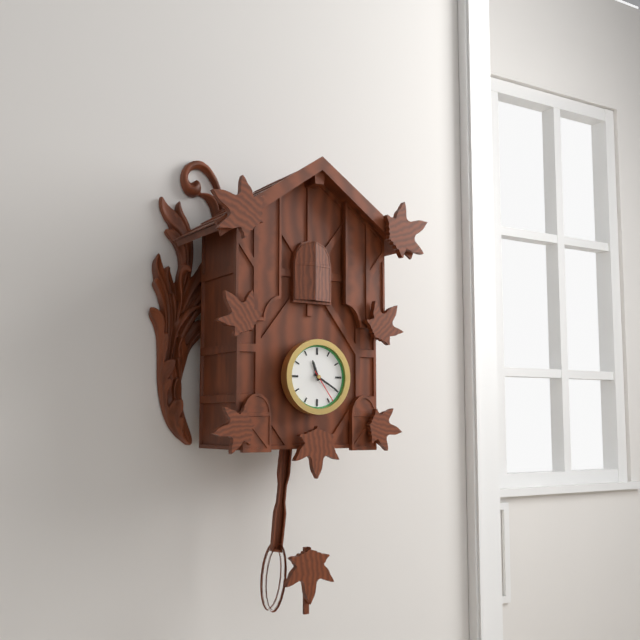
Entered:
11 h 20 min
